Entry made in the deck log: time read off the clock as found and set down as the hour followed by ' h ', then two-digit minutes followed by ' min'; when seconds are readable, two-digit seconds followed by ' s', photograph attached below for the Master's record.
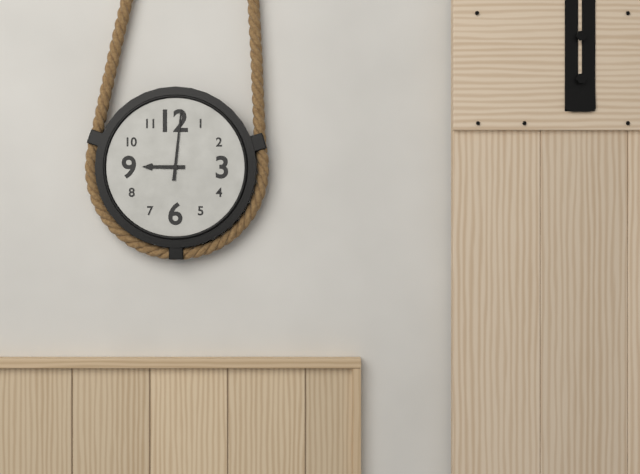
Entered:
9 h 01 min
